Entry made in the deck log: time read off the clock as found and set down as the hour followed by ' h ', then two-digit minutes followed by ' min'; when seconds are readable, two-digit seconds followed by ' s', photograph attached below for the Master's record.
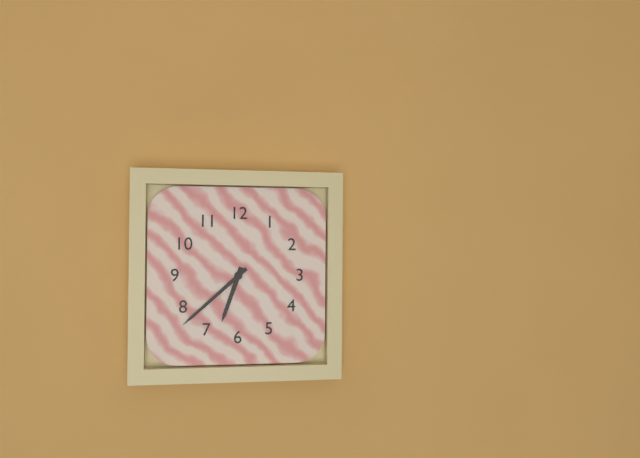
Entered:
6 h 38 min
